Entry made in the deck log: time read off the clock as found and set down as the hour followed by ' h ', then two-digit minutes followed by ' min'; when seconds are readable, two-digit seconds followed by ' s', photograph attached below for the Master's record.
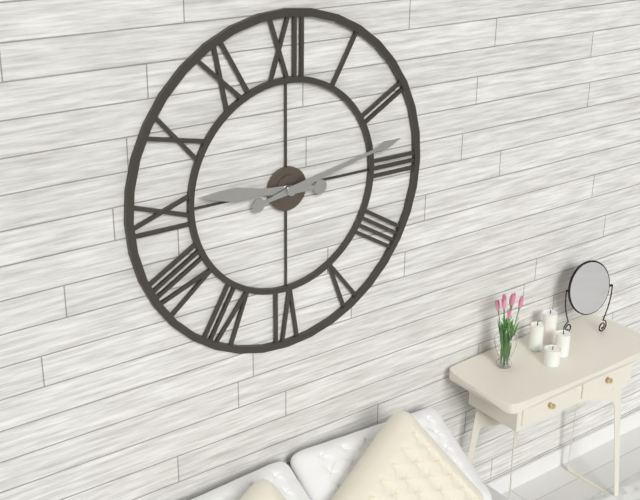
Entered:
9 h 13 min
